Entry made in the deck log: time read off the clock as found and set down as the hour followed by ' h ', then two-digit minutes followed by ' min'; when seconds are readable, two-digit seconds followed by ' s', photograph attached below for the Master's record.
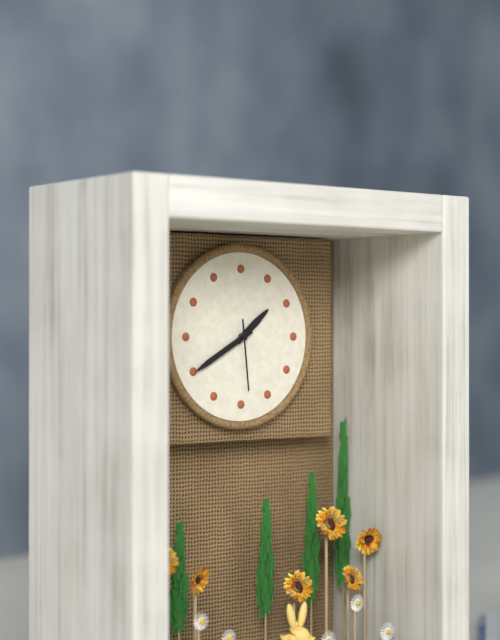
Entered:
1 h 40 min 29 s
